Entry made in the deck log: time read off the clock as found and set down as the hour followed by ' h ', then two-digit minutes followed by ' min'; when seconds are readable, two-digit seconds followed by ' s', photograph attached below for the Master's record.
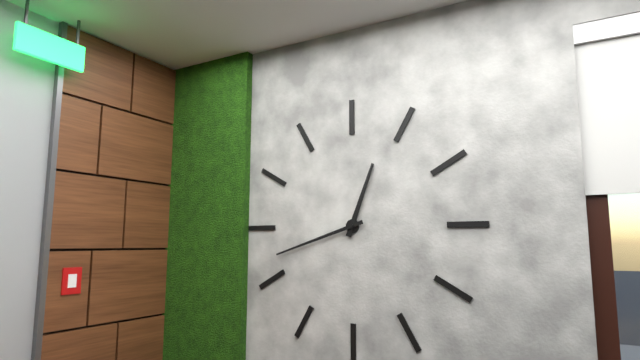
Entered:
12 h 42 min
